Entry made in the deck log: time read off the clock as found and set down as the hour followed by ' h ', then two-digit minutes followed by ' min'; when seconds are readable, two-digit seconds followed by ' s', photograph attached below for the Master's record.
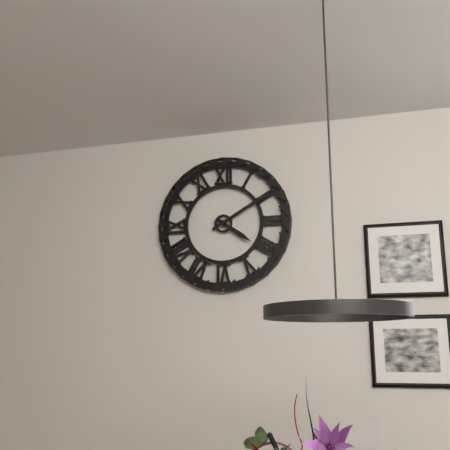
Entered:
4 h 10 min
